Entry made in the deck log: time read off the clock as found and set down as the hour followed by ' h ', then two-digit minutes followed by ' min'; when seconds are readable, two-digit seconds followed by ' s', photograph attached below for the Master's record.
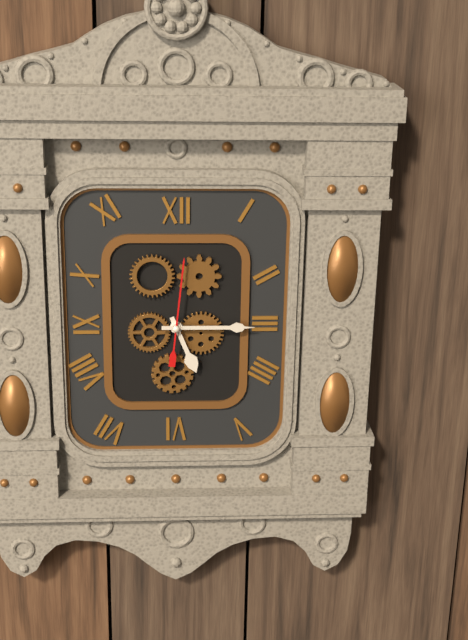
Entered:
5 h 15 min 01 s
